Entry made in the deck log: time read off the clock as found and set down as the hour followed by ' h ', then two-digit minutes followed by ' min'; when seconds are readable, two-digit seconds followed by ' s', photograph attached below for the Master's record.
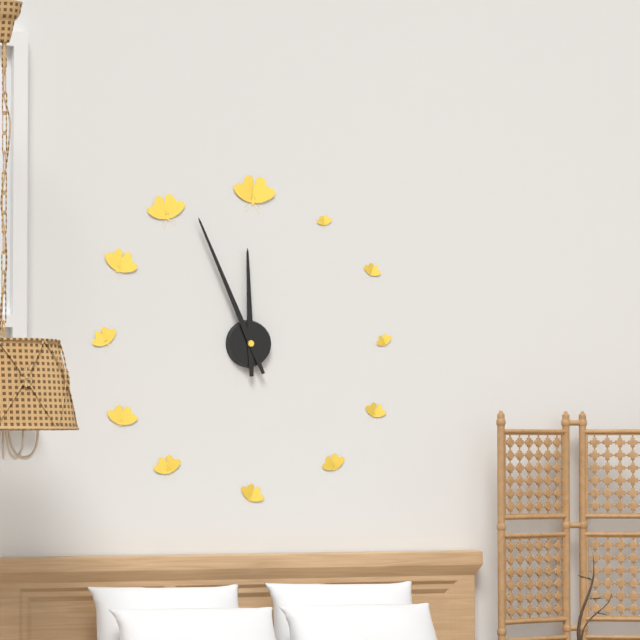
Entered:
11 h 56 min
